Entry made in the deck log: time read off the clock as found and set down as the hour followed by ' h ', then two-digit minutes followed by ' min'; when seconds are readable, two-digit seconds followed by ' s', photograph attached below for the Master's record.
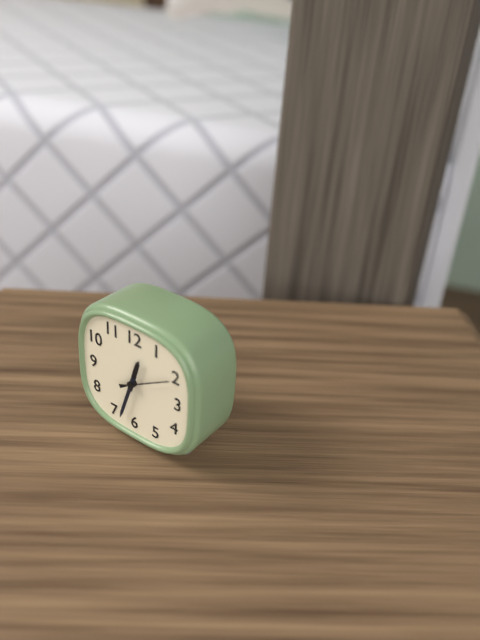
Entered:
12 h 33 min
